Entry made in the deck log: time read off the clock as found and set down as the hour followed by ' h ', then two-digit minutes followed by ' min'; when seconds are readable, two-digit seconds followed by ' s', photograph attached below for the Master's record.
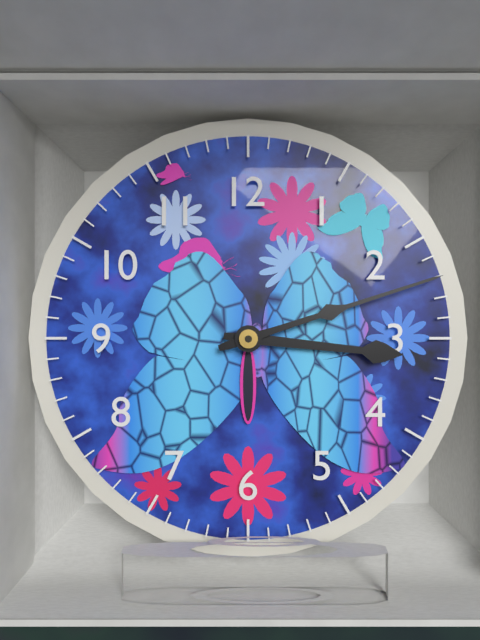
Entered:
3 h 12 min
